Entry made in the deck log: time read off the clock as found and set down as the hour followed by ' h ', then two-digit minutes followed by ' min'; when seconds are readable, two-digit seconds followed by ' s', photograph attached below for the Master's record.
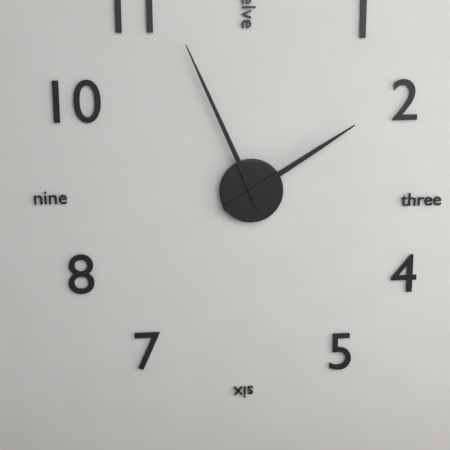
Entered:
1 h 56 min
